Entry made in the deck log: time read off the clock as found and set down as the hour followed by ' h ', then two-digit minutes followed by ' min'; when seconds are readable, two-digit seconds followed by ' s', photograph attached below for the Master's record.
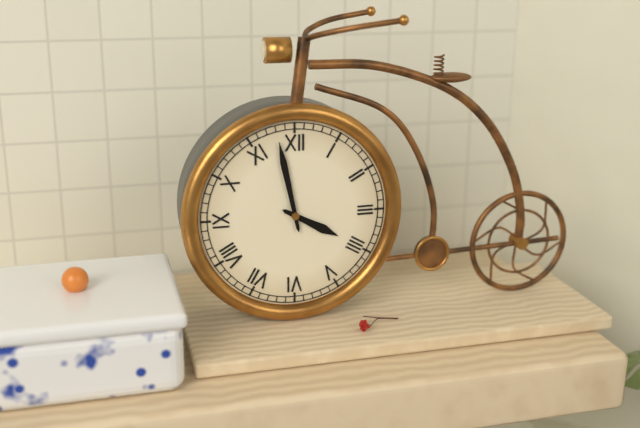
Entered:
3 h 58 min
